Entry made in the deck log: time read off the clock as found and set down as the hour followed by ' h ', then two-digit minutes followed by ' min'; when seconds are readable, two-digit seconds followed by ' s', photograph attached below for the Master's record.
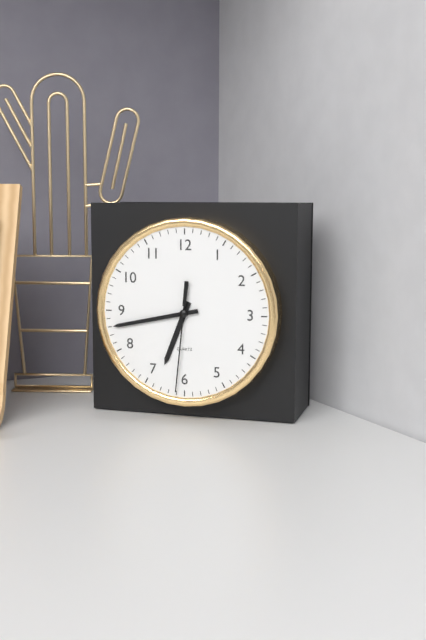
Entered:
6 h 43 min 31 s
